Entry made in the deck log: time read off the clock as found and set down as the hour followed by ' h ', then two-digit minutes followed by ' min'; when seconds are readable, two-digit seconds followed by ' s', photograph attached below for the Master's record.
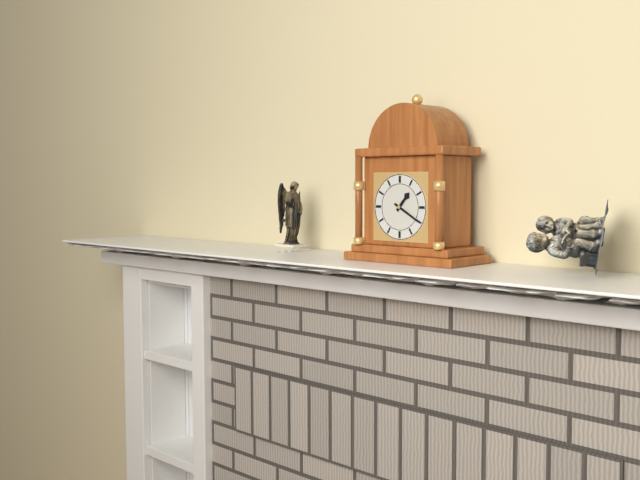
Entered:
1 h 20 min
